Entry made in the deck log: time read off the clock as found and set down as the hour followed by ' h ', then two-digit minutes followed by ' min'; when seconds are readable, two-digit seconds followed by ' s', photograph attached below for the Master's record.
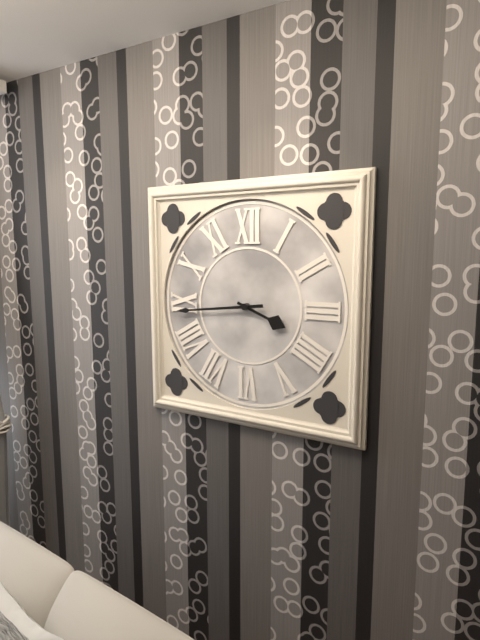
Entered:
3 h 44 min
